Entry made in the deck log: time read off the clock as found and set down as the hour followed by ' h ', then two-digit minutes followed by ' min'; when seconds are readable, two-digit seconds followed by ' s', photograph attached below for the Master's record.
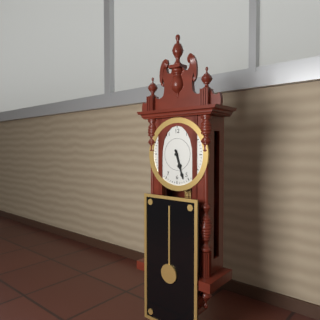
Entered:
5 h 27 min
